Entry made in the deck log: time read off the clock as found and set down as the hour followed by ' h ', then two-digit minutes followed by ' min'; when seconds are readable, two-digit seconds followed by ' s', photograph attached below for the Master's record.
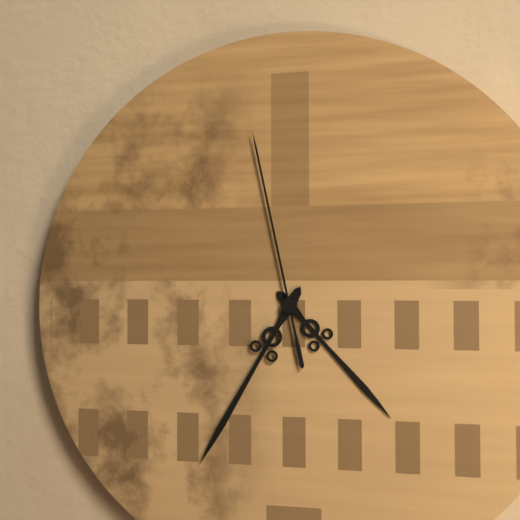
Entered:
4 h 35 min 58 s
